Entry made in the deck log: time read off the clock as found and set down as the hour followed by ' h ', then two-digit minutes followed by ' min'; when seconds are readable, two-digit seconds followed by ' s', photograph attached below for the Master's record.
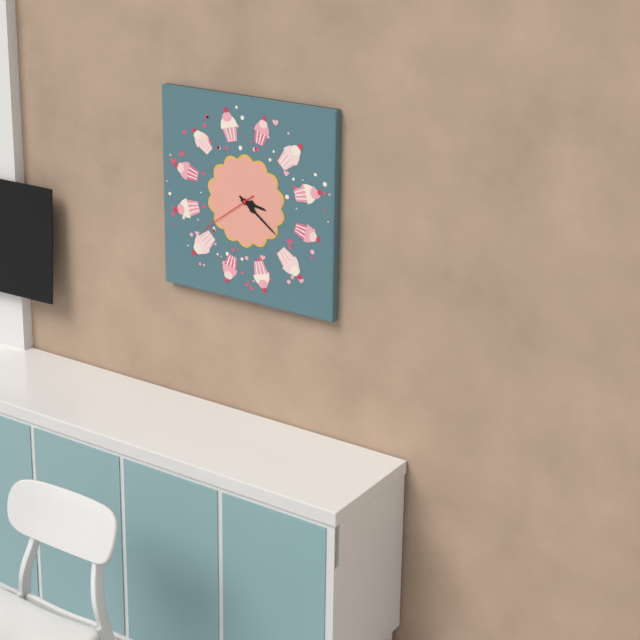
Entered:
3 h 21 min 39 s
